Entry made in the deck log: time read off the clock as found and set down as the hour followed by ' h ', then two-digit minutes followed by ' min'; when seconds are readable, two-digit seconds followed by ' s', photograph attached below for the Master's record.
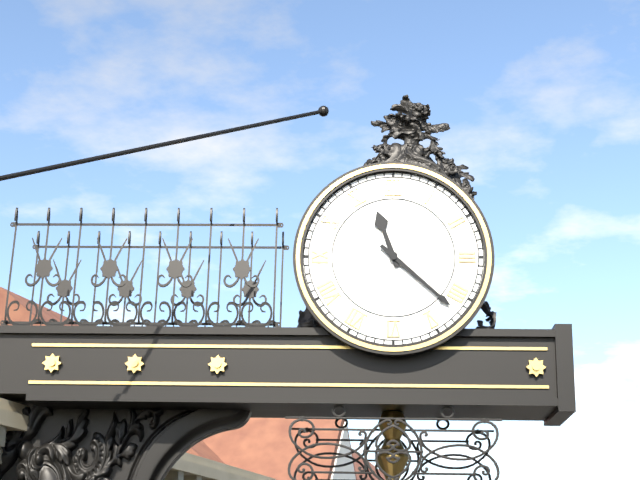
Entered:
11 h 22 min
